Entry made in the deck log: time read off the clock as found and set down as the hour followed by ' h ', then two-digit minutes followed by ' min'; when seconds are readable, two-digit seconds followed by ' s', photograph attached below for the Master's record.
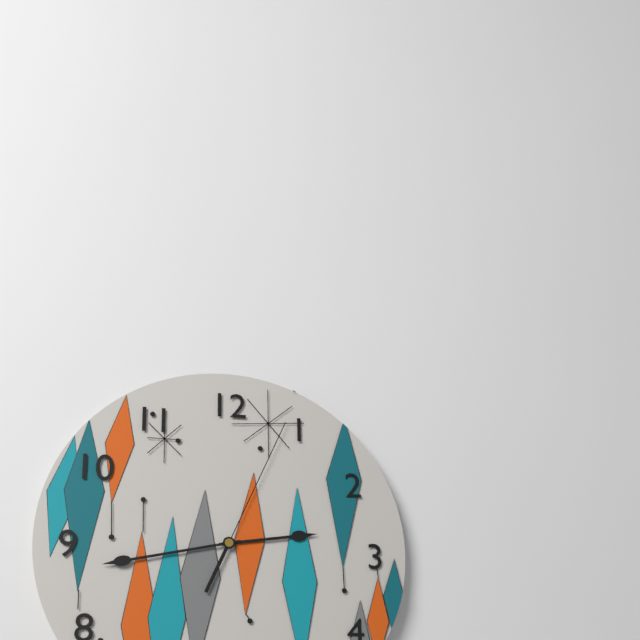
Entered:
2 h 43 min 04 s
